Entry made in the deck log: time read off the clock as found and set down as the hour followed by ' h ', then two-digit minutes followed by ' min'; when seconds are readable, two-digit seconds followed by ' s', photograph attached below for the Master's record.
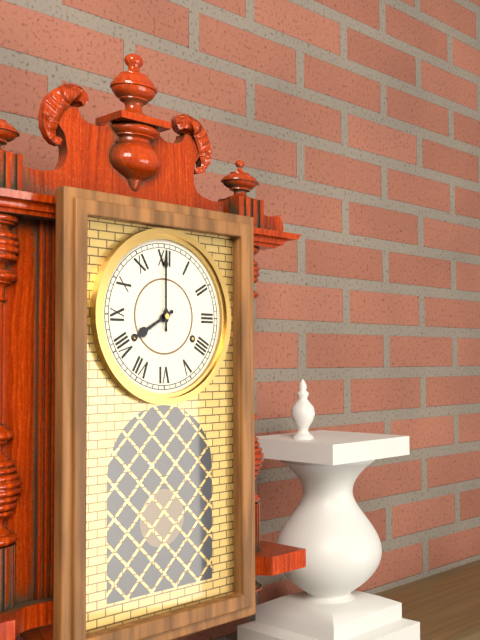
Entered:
8 h 00 min
